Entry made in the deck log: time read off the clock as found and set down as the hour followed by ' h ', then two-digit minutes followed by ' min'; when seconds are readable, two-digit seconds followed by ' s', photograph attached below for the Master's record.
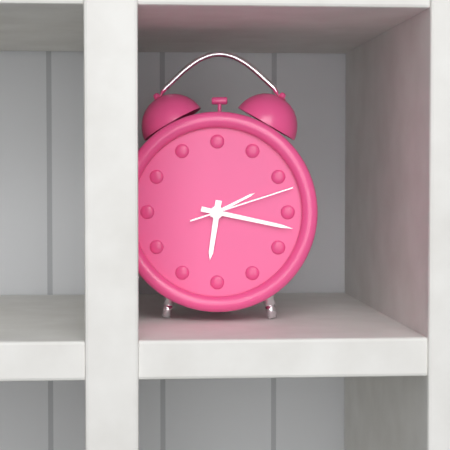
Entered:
6 h 17 min 12 s
